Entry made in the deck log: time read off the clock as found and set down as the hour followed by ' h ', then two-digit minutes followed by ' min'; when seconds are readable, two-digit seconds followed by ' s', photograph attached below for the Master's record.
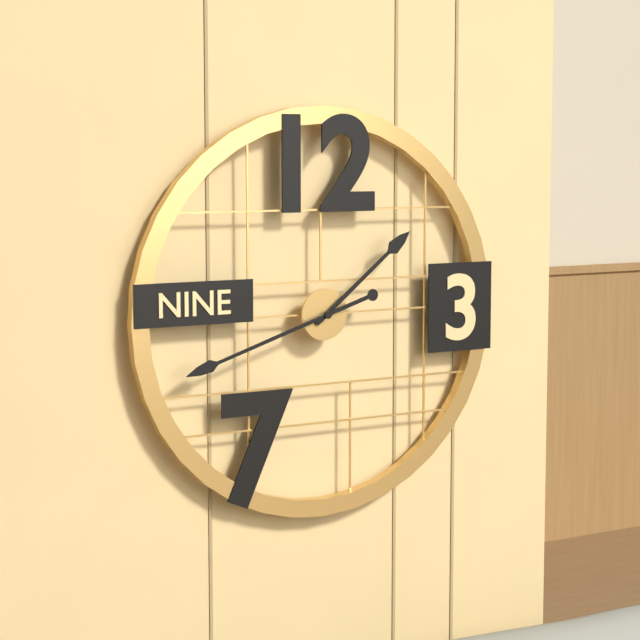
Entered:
1 h 42 min
